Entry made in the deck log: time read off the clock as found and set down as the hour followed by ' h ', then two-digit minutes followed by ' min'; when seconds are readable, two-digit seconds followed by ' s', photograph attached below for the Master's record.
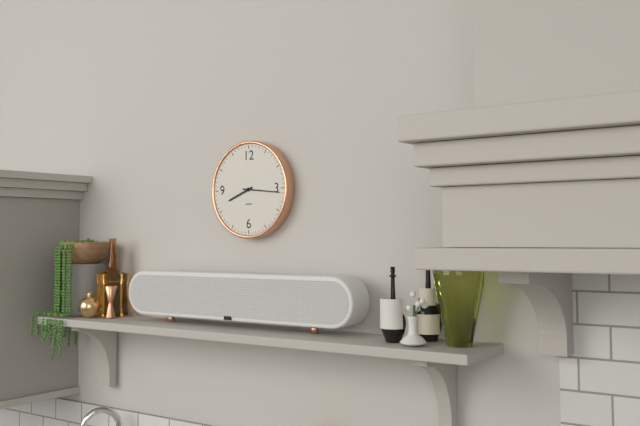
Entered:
8 h 16 min
